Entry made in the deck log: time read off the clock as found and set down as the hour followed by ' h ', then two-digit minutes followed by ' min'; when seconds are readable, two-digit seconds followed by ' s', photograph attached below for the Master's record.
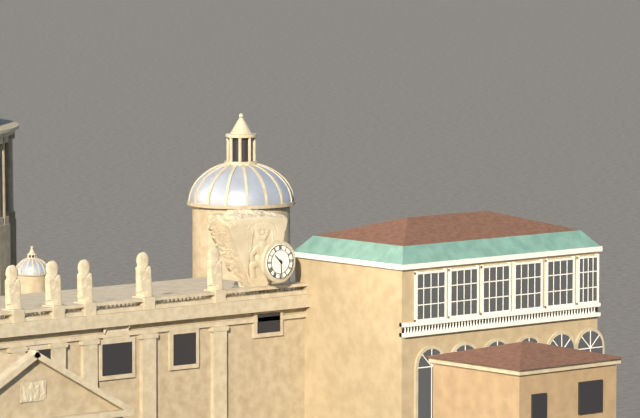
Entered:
10 h 29 min
